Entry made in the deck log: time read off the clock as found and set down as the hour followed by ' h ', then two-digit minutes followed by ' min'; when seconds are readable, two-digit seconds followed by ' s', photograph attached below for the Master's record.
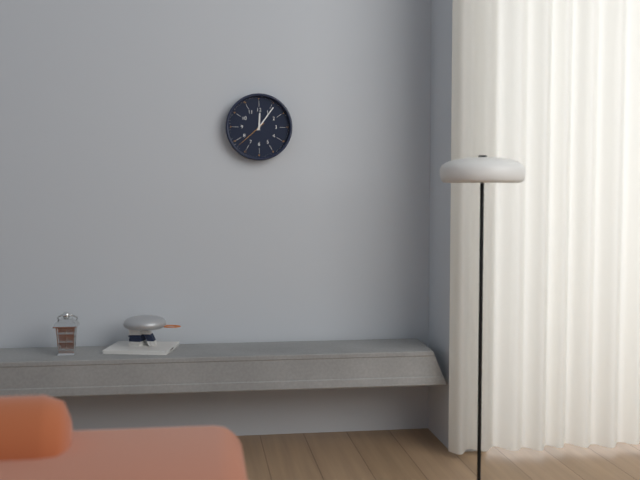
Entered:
12 h 06 min
